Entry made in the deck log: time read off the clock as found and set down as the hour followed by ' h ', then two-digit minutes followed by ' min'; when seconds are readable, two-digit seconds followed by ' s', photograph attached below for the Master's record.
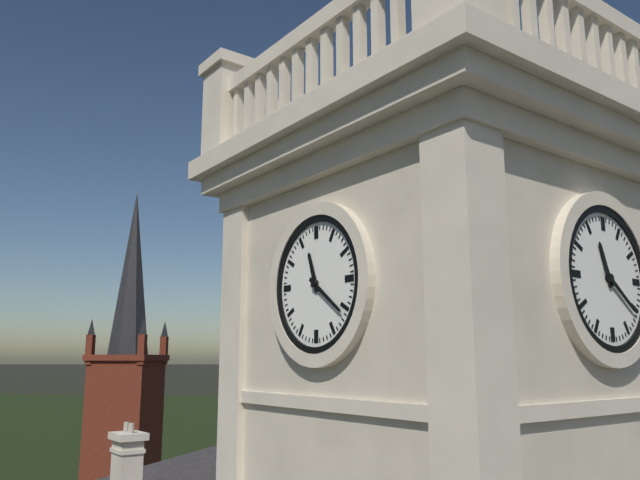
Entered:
11 h 21 min
